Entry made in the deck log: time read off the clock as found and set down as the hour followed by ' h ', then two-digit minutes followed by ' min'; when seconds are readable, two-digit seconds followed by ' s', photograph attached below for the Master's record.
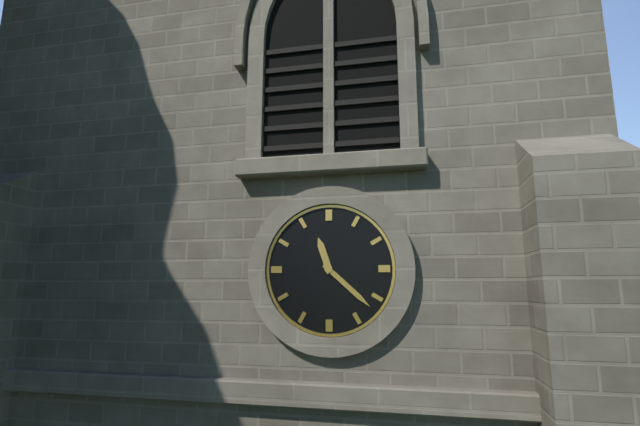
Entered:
11 h 22 min
